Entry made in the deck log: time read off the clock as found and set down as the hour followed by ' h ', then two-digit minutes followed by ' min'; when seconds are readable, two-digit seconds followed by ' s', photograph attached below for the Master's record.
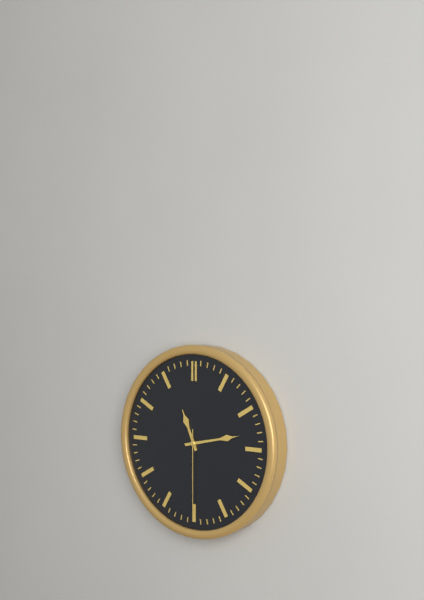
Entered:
11 h 13 min 30 s
